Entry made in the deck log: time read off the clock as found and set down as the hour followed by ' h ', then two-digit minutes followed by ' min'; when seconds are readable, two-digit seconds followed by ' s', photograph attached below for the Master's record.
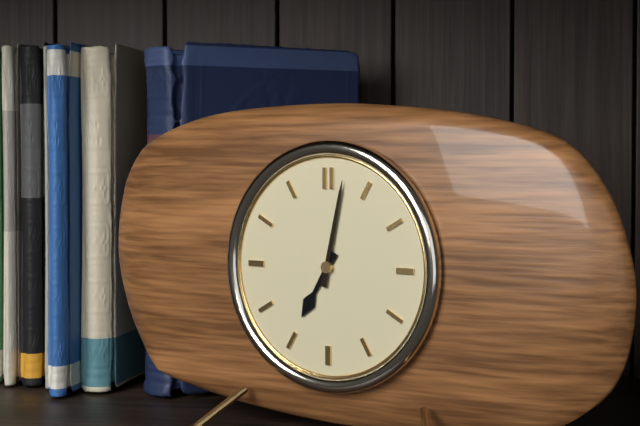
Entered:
7 h 02 min
